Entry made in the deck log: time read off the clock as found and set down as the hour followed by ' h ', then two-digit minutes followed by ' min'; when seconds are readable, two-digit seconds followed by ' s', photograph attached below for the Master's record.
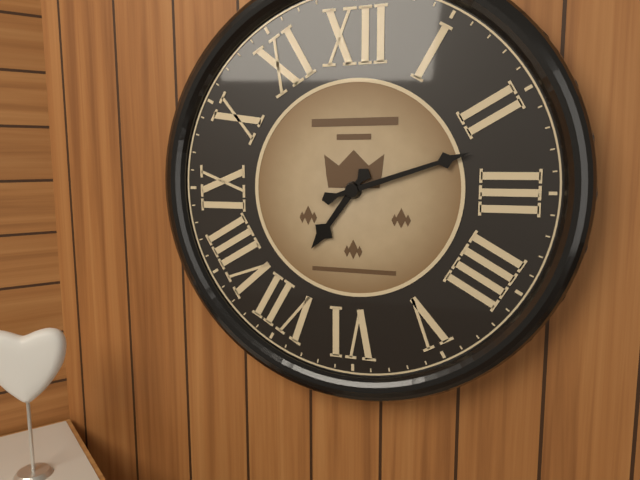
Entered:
7 h 12 min
